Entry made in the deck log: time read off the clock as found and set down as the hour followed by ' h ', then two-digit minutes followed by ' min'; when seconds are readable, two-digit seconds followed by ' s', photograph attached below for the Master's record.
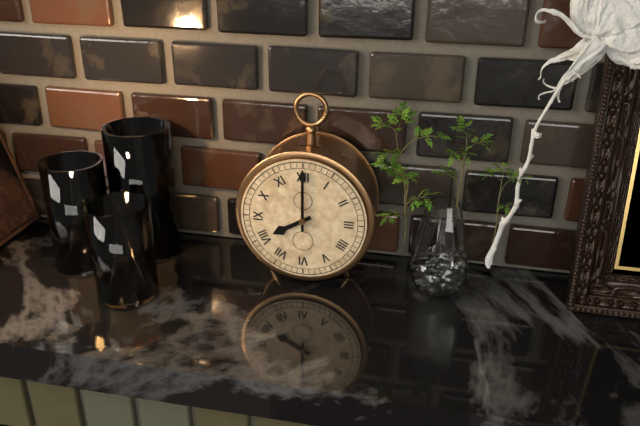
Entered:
8 h 00 min
